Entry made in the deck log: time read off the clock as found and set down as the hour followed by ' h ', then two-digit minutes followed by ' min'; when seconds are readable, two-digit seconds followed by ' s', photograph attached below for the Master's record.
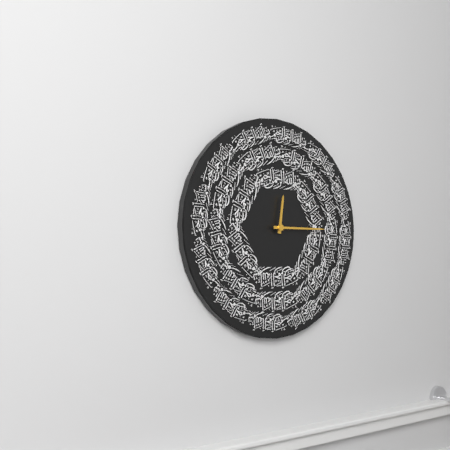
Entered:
12 h 15 min
